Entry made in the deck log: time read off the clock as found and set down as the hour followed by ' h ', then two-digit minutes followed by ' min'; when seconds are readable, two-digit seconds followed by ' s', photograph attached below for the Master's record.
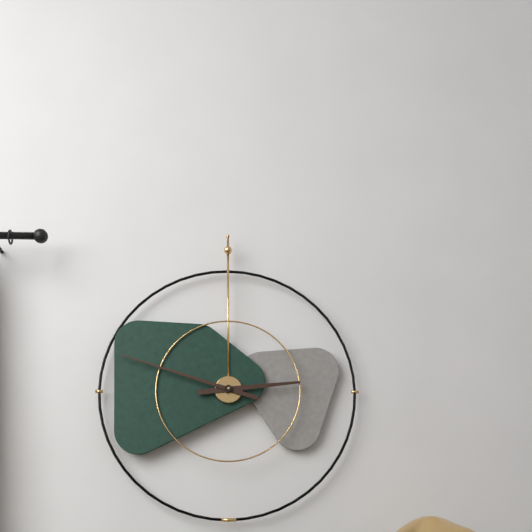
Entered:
2 h 48 min
